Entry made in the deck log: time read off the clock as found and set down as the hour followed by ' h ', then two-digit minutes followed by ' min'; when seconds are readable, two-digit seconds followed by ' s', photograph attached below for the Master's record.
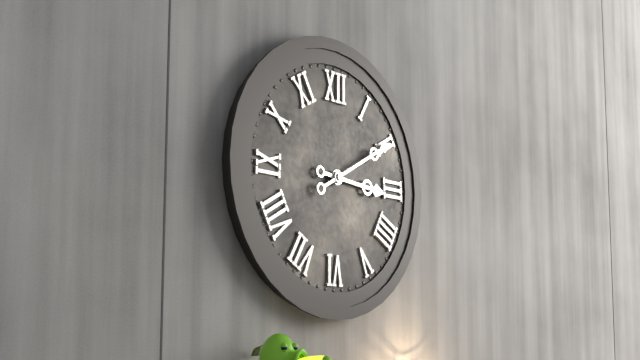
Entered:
3 h 10 min
